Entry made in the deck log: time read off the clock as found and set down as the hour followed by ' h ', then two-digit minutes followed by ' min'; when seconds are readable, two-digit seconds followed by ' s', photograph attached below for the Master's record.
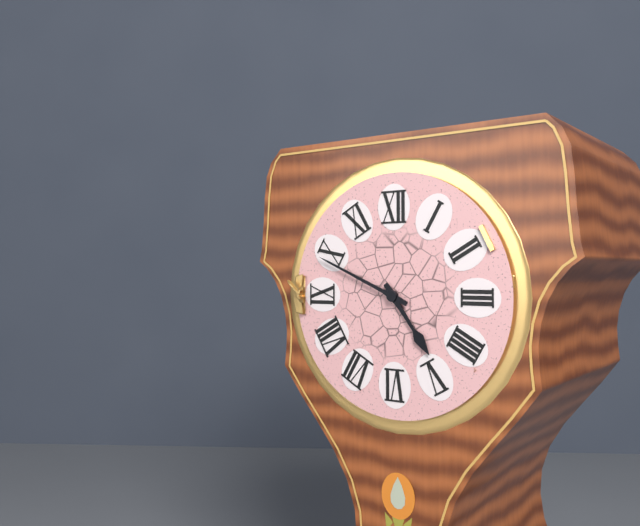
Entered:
4 h 49 min
